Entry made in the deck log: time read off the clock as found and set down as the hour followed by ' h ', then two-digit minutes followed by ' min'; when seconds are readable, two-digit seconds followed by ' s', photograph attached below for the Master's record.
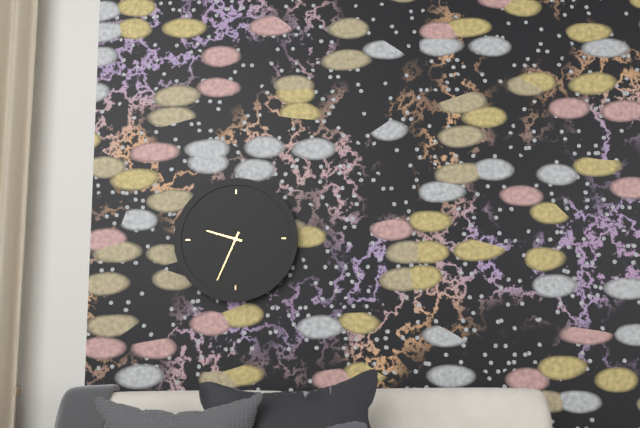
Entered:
9 h 34 min
